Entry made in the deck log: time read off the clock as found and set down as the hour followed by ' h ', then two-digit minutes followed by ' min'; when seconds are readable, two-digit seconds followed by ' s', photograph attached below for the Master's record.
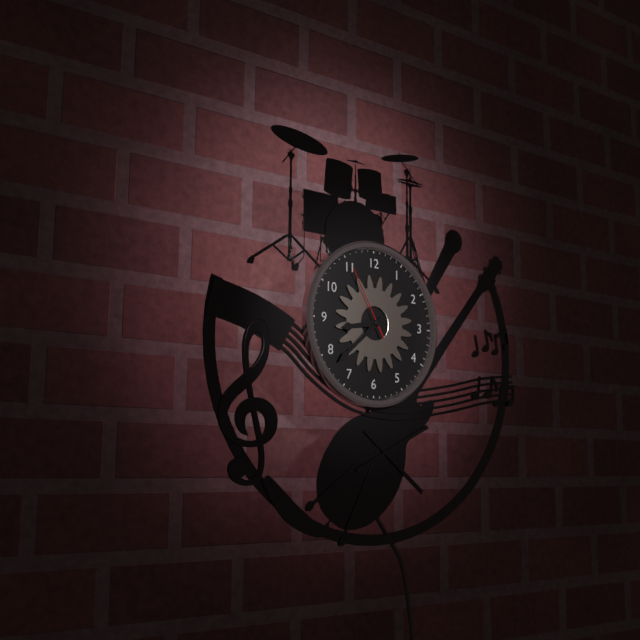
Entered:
8 h 38 min 55 s
